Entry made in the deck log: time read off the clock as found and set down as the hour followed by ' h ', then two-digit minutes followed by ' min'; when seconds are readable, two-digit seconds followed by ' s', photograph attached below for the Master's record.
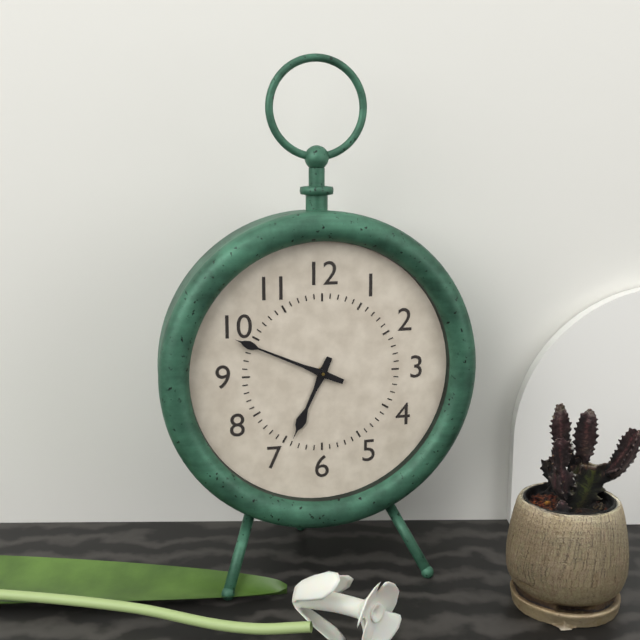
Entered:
6 h 49 min
